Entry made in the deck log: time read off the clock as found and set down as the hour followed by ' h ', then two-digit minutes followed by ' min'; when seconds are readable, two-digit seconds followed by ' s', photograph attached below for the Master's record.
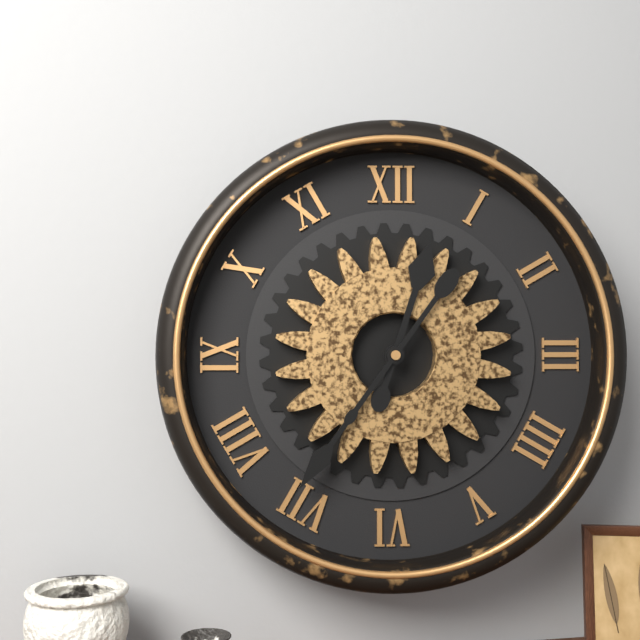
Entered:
12 h 36 min
